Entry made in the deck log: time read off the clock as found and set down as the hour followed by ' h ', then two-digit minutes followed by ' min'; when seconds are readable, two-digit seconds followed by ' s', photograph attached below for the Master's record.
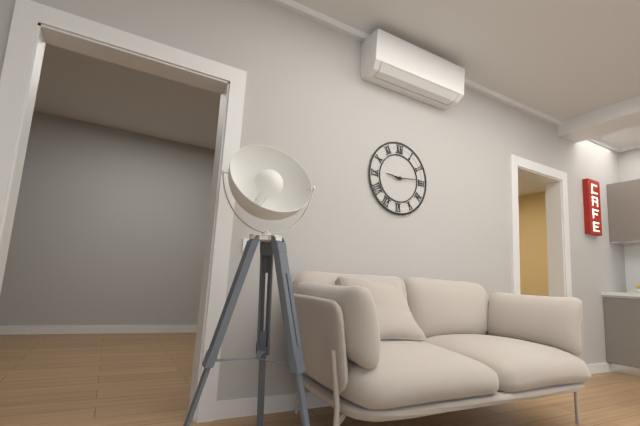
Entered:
9 h 14 min
